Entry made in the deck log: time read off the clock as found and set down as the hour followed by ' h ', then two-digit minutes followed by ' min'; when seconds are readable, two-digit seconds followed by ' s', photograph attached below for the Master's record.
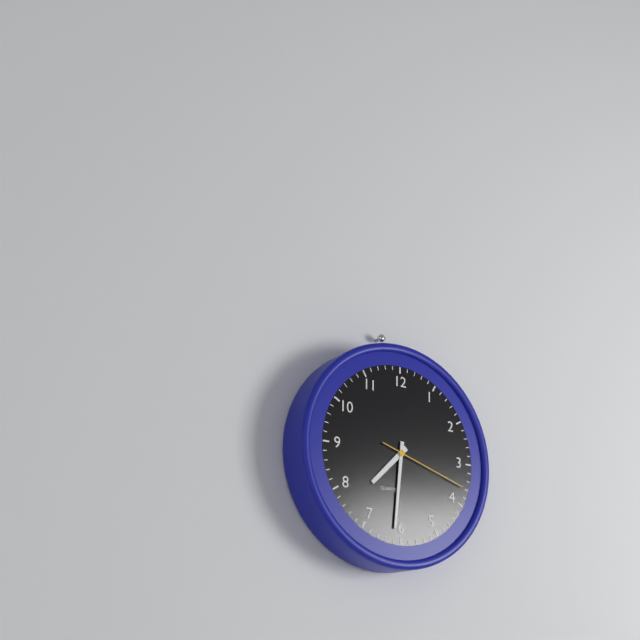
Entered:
7 h 31 min 18 s
